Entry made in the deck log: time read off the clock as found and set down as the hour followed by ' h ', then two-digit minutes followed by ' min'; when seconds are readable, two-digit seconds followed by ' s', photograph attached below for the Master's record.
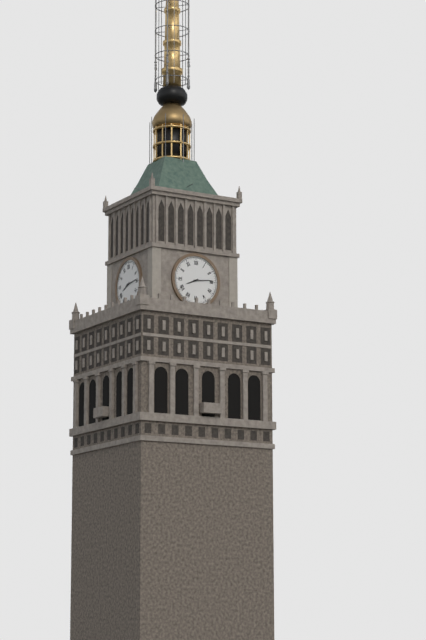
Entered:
8 h 14 min
